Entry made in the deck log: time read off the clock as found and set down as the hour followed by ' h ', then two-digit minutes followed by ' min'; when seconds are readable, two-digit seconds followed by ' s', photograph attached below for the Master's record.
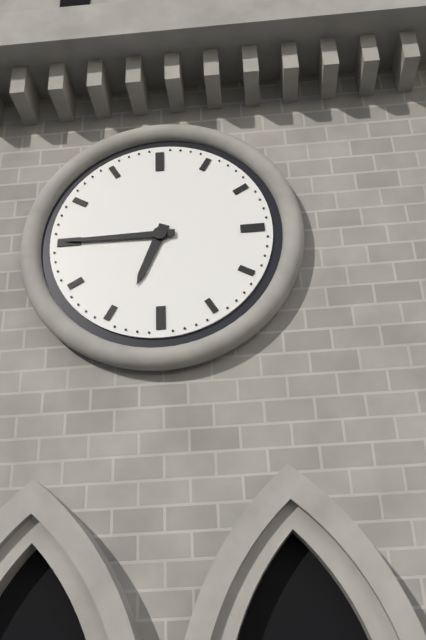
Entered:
6 h 45 min
